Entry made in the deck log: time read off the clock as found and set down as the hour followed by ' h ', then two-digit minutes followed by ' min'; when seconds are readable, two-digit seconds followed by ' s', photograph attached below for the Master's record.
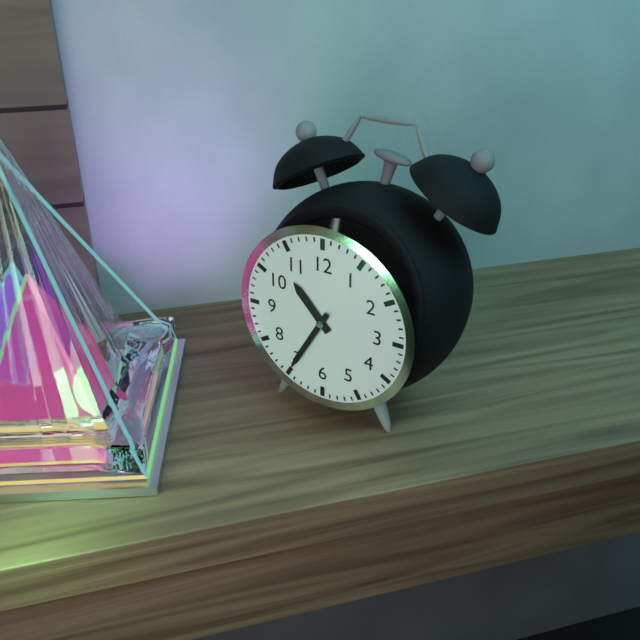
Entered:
10 h 35 min
